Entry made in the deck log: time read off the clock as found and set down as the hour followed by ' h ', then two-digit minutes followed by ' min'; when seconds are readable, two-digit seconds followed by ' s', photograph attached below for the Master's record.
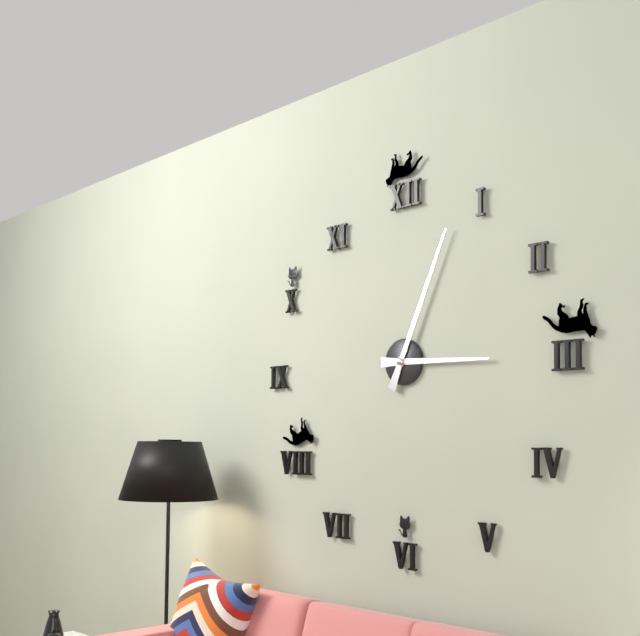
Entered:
3 h 04 min
